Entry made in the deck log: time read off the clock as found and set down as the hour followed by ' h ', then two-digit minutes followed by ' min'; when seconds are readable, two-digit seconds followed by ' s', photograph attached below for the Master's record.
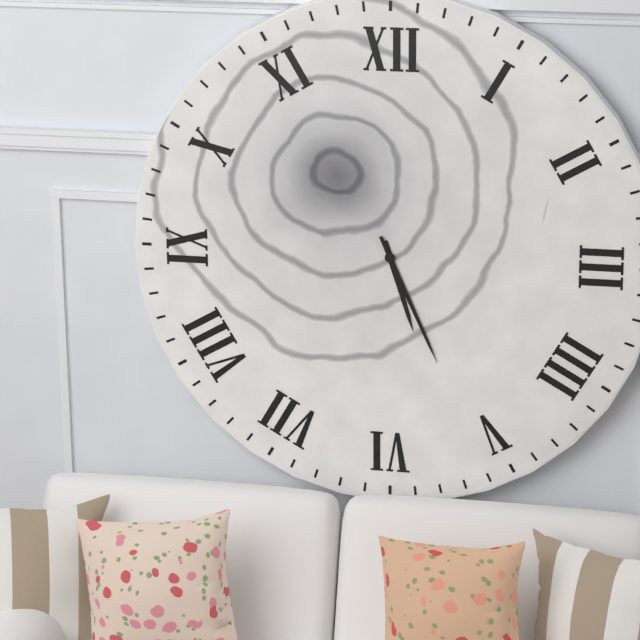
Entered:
5 h 26 min
